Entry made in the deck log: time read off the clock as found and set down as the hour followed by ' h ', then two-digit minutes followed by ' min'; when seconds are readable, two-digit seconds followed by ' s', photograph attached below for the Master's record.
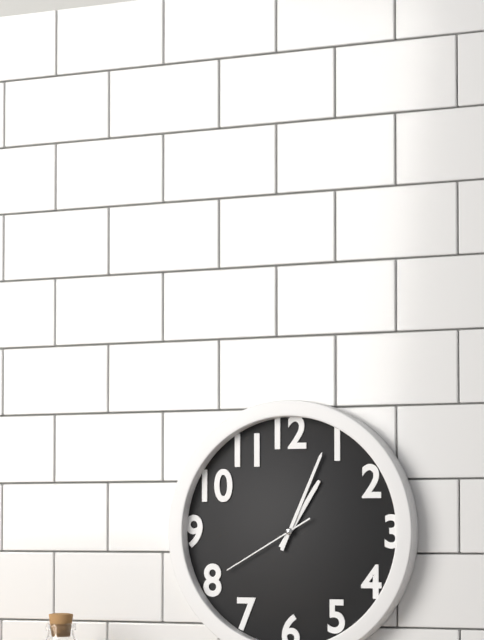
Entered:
1 h 04 min 40 s
